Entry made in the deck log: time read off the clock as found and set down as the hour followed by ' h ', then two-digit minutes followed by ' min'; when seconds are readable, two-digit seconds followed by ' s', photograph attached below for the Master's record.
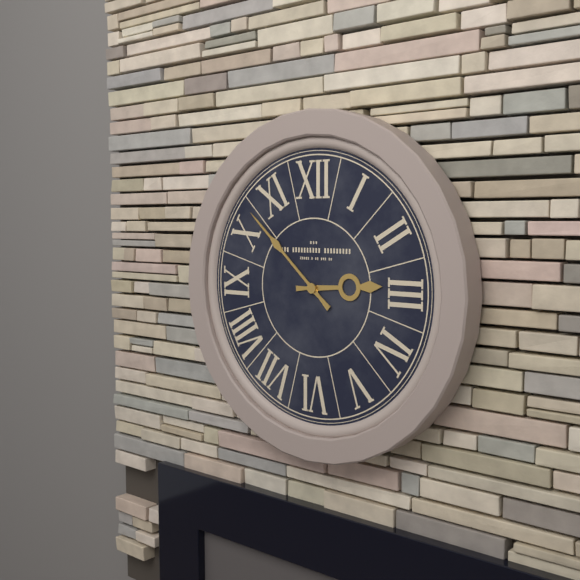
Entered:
2 h 52 min
